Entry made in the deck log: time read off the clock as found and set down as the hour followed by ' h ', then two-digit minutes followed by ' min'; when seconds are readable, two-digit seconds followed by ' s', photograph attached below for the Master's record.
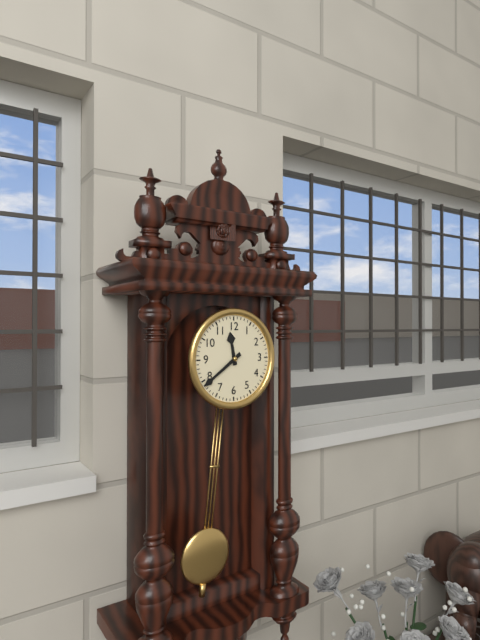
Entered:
11 h 39 min
